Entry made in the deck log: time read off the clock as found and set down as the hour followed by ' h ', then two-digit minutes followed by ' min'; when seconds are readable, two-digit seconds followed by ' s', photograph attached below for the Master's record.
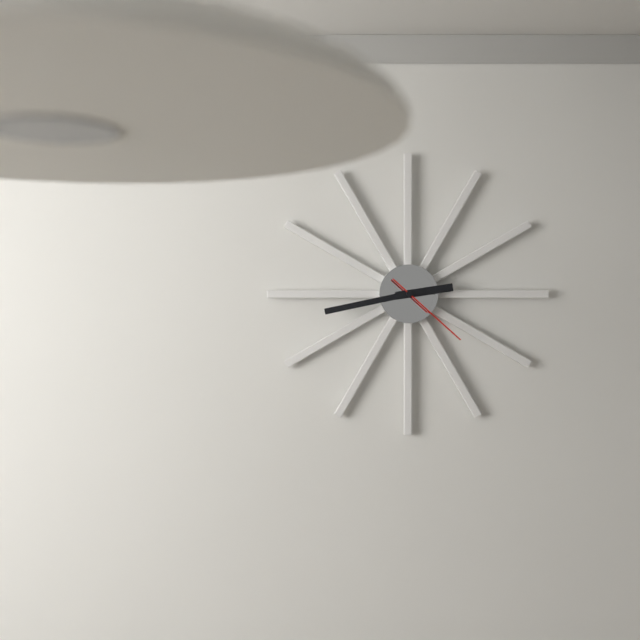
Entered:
2 h 43 min 22 s
